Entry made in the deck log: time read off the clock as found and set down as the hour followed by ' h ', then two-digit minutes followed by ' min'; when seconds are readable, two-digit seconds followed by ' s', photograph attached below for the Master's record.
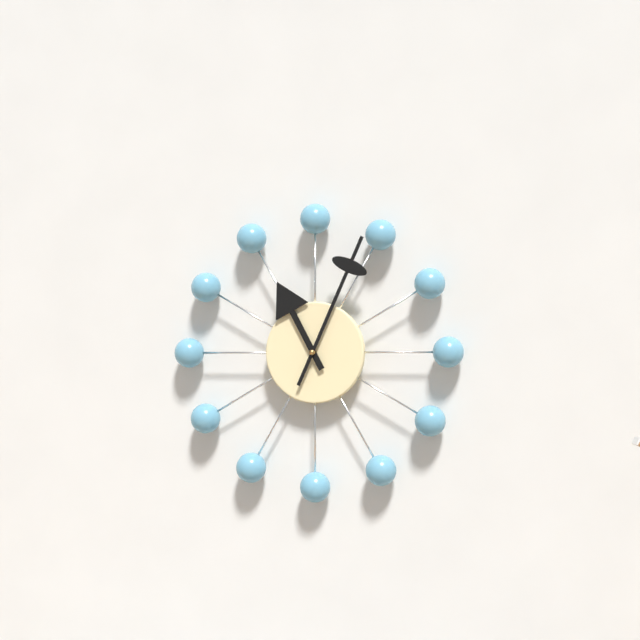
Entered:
11 h 04 min
